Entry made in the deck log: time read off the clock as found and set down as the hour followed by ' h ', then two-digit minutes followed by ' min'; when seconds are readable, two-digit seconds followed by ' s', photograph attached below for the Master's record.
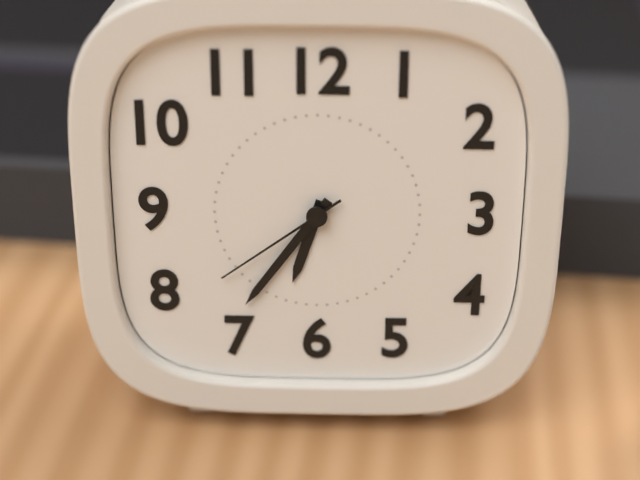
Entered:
6 h 36 min 39 s
